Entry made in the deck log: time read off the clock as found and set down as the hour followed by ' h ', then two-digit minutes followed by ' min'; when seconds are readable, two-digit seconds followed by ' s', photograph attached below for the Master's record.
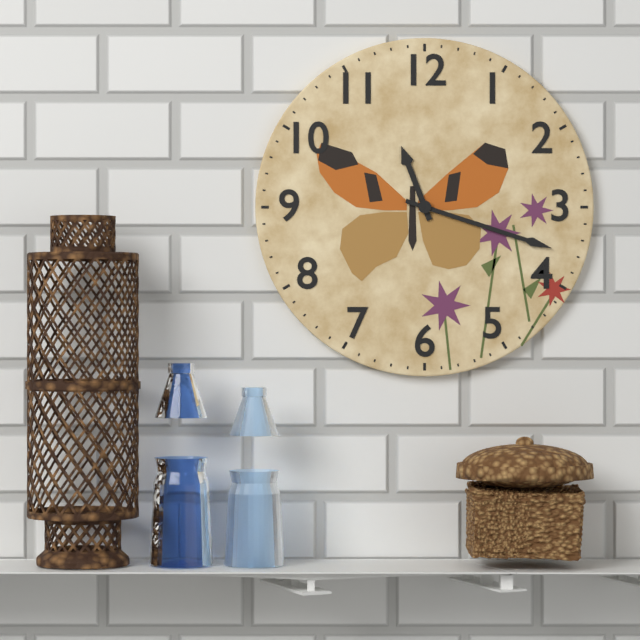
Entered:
11 h 18 min
